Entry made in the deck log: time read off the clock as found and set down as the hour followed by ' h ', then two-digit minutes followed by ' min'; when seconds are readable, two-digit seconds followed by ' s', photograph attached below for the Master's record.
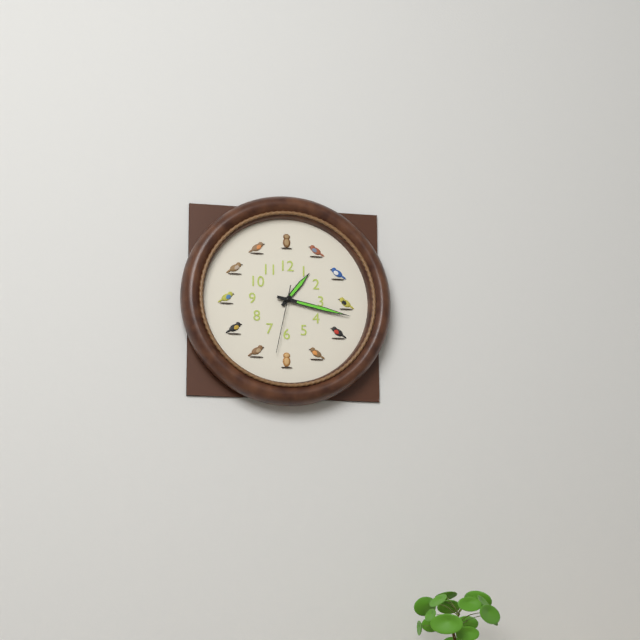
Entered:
1 h 17 min 32 s
